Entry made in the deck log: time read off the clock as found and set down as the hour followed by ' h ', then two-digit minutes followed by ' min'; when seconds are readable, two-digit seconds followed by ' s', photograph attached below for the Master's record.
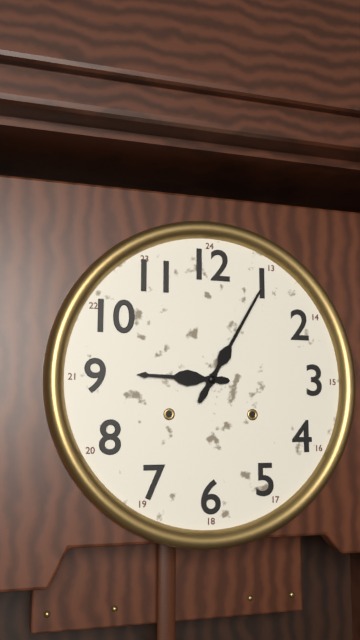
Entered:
9 h 05 min
